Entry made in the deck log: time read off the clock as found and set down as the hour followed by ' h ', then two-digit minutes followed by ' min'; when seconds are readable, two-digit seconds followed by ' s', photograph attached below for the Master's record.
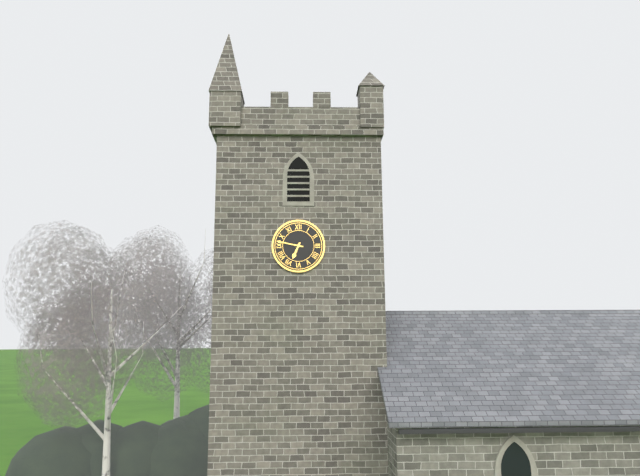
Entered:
6 h 47 min
